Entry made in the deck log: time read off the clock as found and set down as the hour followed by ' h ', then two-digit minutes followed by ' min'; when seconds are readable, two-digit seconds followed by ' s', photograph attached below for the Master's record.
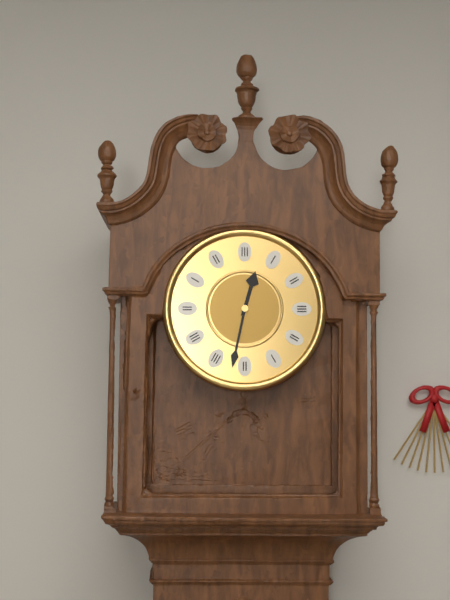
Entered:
12 h 32 min
